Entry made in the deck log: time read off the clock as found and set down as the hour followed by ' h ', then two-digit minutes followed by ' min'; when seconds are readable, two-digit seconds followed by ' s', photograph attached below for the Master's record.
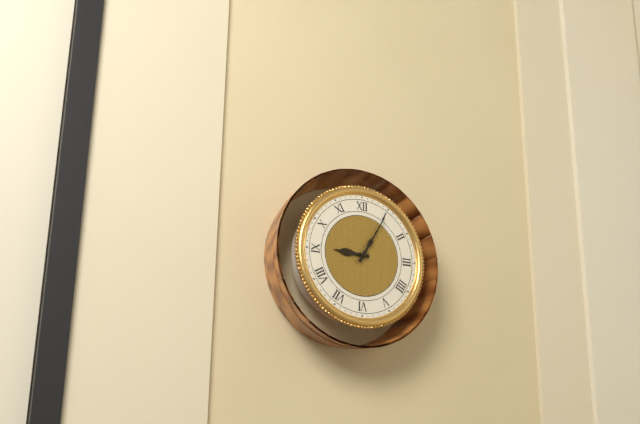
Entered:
9 h 05 min
